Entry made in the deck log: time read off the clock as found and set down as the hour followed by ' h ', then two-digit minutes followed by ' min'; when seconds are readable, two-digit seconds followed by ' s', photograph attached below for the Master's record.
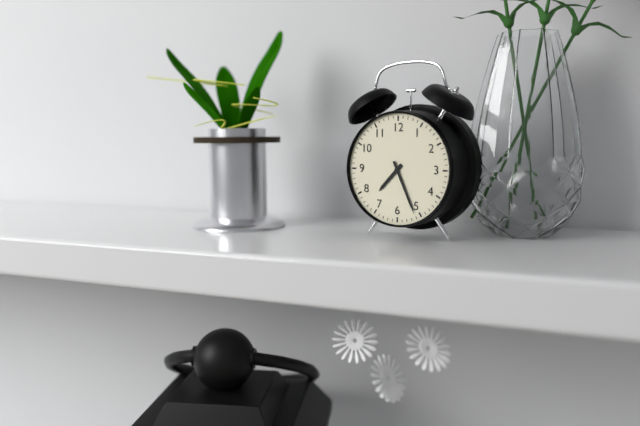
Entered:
7 h 26 min
